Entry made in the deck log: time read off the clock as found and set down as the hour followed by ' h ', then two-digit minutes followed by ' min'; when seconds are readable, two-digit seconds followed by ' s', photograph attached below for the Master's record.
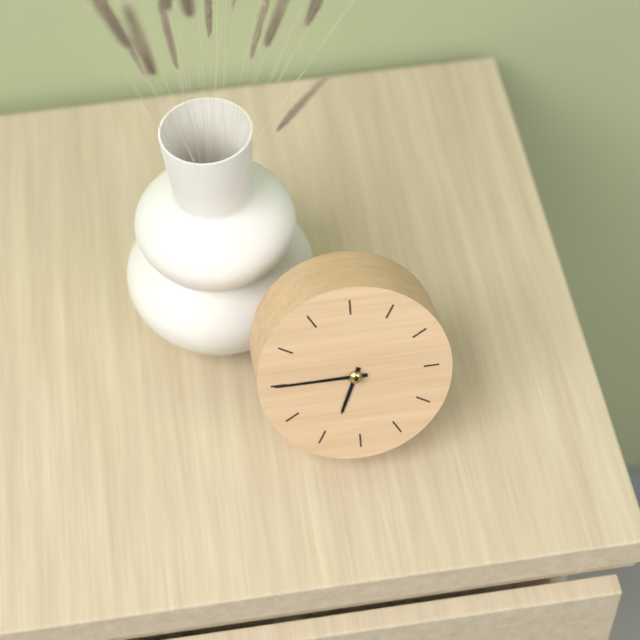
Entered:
6 h 45 min
